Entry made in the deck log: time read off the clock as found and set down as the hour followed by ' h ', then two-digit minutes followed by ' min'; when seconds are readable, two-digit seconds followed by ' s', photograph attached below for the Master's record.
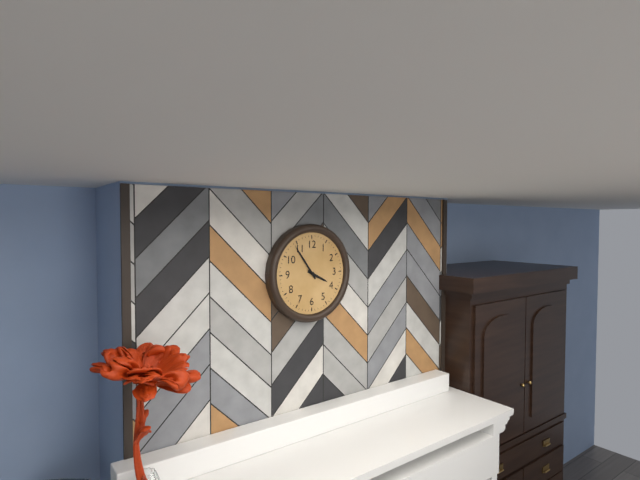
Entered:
3 h 54 min
